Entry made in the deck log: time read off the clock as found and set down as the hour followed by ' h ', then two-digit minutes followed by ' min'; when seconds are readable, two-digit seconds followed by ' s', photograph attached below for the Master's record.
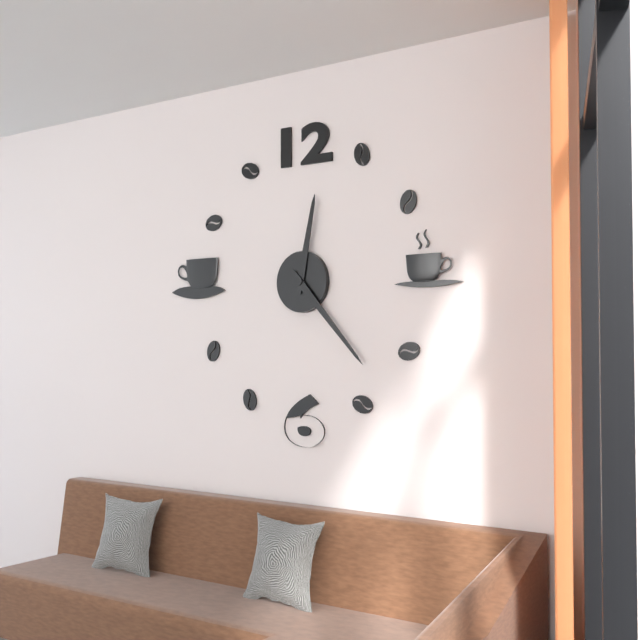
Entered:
12 h 23 min
